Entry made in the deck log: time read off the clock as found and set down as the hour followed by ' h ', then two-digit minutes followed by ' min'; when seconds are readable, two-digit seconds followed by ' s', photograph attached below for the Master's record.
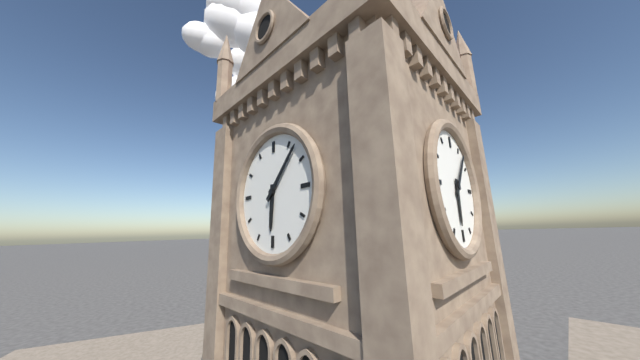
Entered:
6 h 07 min
